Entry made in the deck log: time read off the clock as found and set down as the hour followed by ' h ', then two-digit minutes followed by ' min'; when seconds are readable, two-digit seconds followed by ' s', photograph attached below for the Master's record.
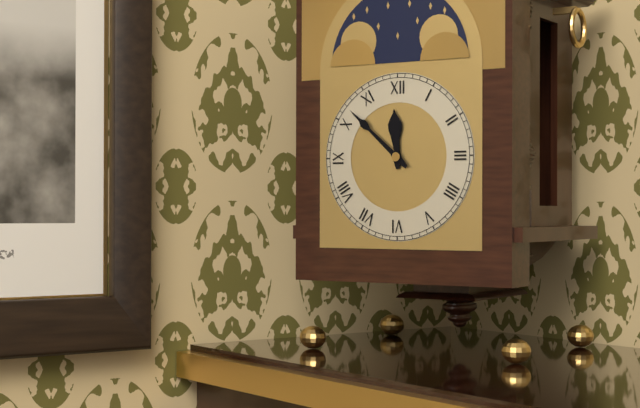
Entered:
11 h 52 min
